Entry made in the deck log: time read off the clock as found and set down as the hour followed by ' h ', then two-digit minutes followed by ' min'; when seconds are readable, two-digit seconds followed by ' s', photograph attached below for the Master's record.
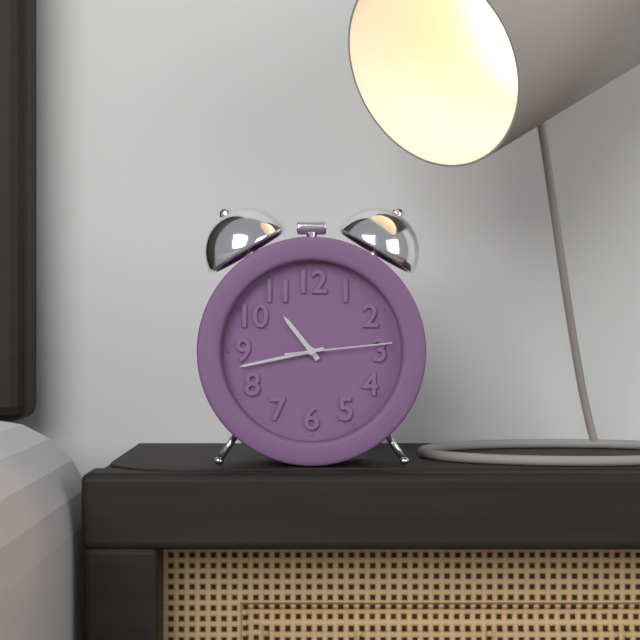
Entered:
10 h 43 min 14 s
